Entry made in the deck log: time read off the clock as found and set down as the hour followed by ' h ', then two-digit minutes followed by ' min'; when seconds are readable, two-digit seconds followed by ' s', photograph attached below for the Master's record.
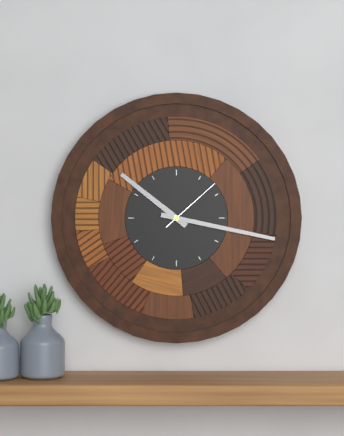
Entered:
10 h 17 min 08 s
